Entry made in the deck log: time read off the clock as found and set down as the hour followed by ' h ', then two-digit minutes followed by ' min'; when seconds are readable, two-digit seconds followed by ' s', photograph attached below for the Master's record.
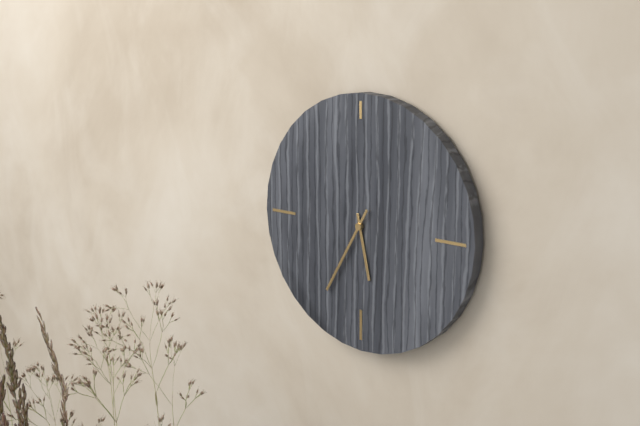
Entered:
5 h 35 min
